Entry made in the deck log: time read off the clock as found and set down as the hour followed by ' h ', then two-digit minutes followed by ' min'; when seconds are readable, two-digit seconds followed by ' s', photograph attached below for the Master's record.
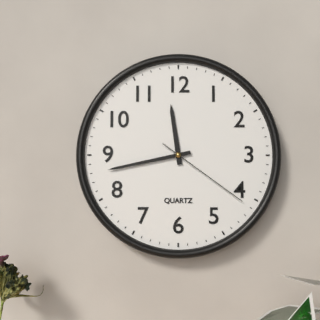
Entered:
11 h 43 min 21 s
